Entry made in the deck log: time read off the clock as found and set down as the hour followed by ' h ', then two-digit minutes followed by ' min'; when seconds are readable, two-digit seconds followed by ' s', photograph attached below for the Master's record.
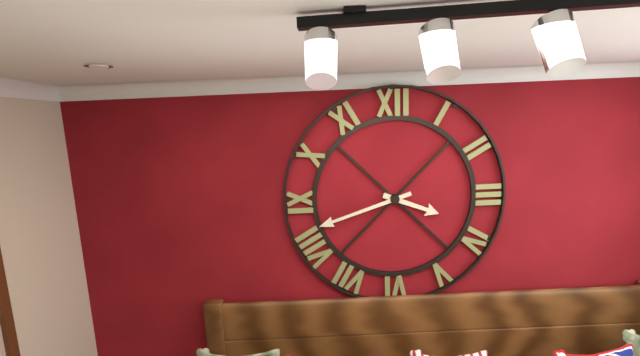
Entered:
3 h 42 min
